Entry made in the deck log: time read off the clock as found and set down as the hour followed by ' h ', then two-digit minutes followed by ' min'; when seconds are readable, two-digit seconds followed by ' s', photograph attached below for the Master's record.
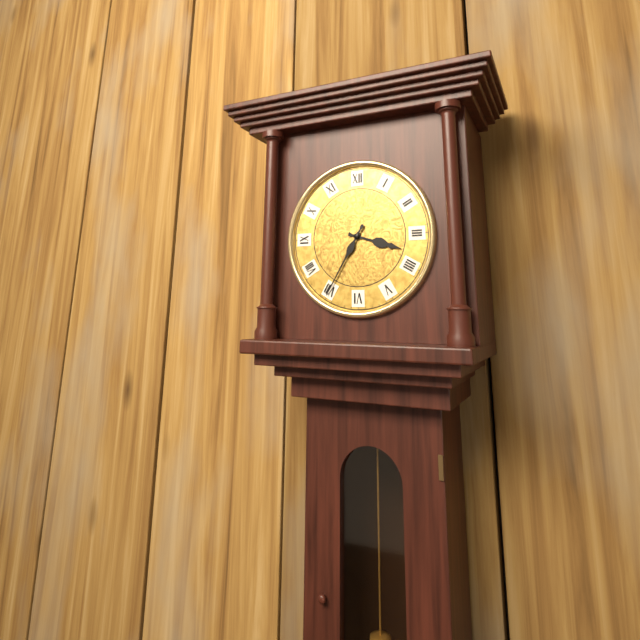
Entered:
3 h 35 min
